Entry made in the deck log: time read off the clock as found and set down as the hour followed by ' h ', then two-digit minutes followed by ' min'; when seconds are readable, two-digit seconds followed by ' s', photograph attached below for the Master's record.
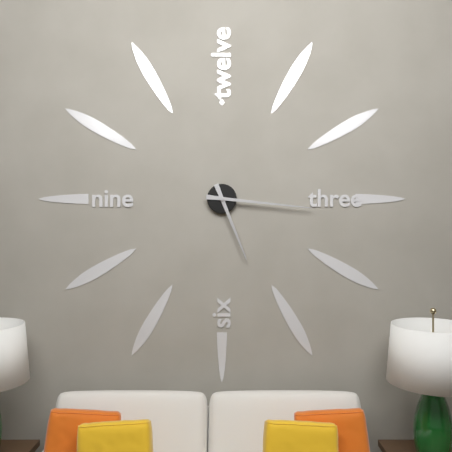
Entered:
5 h 16 min
